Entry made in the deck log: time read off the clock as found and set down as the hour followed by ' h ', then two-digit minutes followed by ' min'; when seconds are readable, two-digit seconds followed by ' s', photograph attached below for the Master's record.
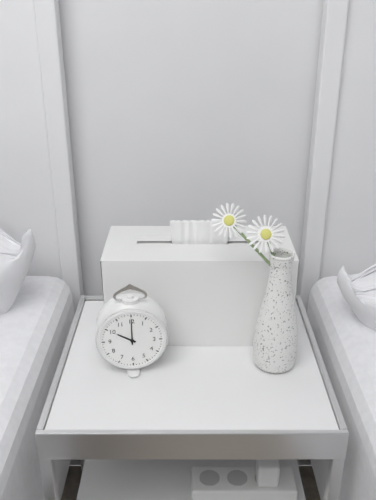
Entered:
10 h 00 min
